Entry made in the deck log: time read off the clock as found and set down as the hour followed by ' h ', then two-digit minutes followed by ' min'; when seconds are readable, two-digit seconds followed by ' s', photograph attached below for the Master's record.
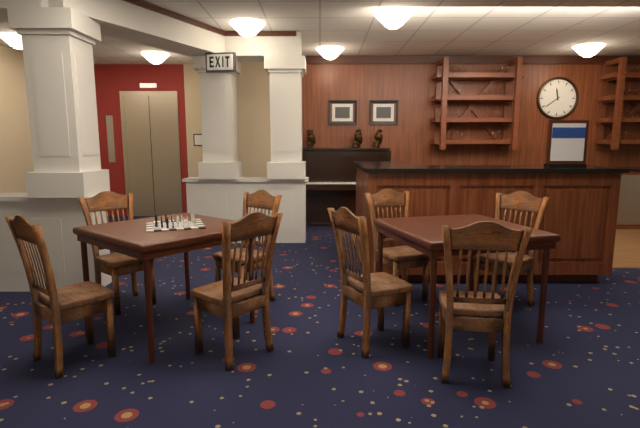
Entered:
11 h 39 min
